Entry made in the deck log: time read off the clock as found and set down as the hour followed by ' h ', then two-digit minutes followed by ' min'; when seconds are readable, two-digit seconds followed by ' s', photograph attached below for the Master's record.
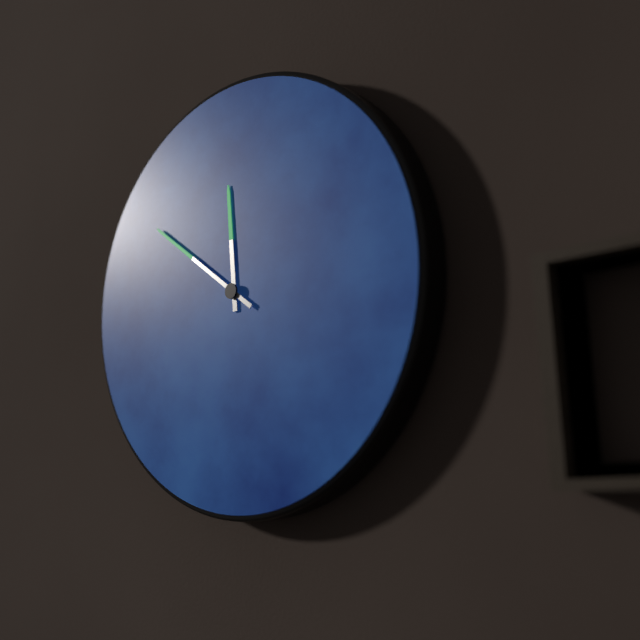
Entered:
11 h 51 min
